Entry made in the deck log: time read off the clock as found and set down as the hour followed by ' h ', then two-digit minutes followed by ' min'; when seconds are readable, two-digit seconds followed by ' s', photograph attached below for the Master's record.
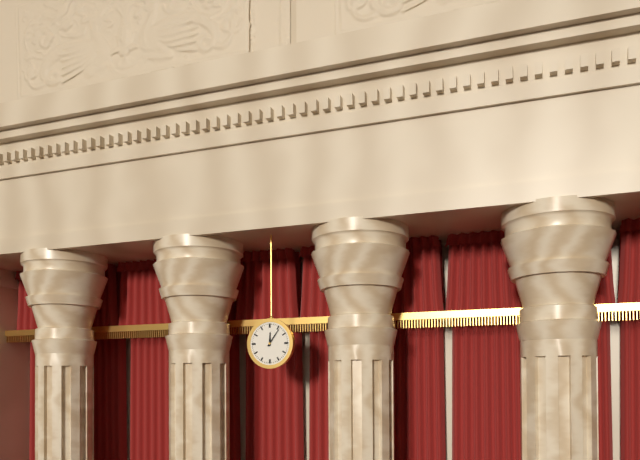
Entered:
12 h 06 min
